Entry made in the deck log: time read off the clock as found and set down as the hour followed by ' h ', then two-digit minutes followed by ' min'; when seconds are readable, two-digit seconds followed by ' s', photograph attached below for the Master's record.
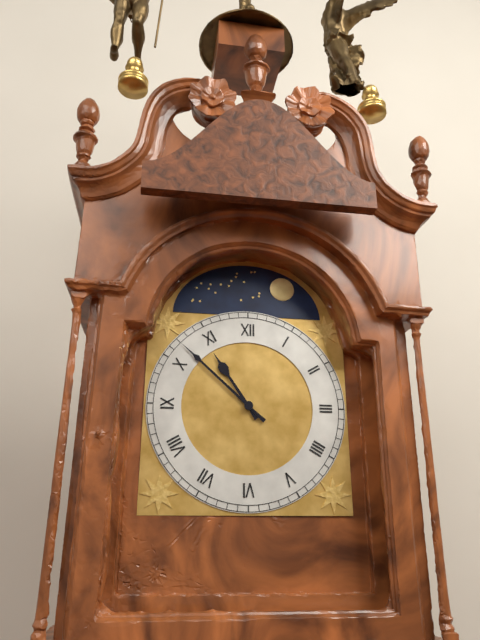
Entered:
10 h 52 min
